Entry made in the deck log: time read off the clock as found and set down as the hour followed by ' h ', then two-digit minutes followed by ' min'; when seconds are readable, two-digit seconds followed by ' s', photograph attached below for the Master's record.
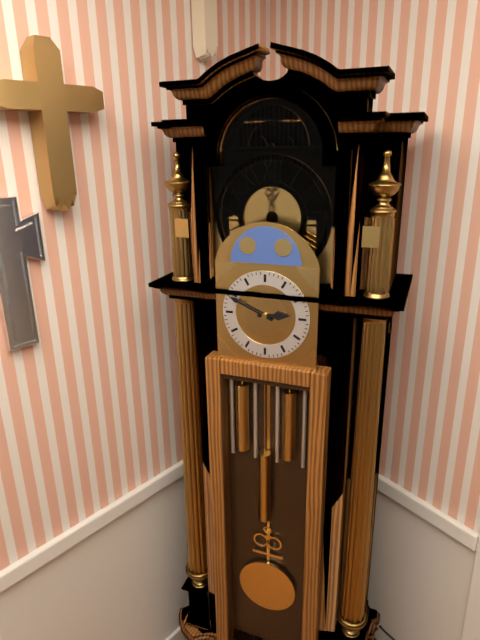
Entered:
2 h 49 min
